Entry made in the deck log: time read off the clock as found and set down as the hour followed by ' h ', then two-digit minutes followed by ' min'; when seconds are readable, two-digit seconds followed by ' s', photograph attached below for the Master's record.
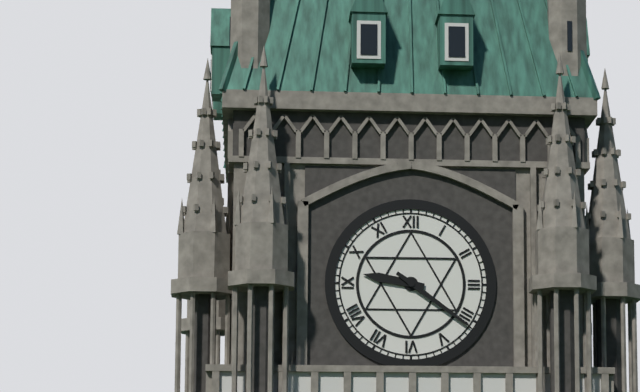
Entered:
9 h 21 min
